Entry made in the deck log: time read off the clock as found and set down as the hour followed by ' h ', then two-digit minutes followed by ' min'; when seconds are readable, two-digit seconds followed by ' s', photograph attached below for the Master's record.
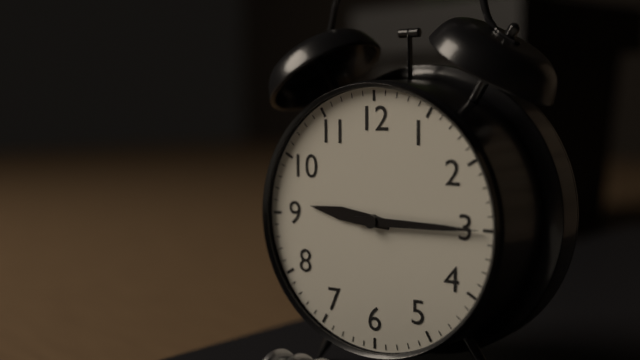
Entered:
9 h 15 min
